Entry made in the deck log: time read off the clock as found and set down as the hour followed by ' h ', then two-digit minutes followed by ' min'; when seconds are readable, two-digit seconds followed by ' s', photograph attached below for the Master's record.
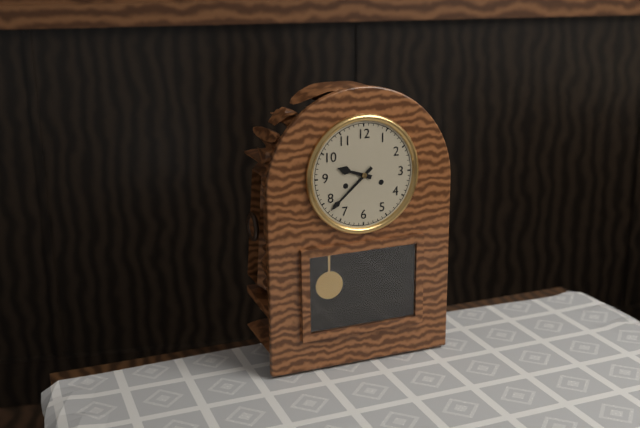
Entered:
9 h 38 min
